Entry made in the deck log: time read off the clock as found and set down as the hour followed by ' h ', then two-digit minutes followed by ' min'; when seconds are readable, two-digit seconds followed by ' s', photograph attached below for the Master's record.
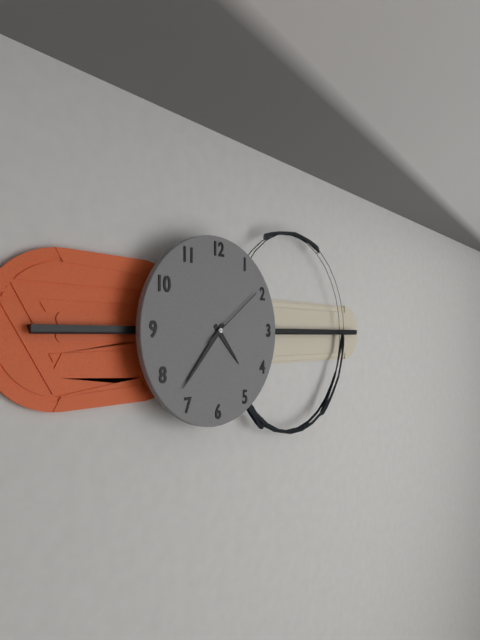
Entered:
4 h 37 min 09 s
